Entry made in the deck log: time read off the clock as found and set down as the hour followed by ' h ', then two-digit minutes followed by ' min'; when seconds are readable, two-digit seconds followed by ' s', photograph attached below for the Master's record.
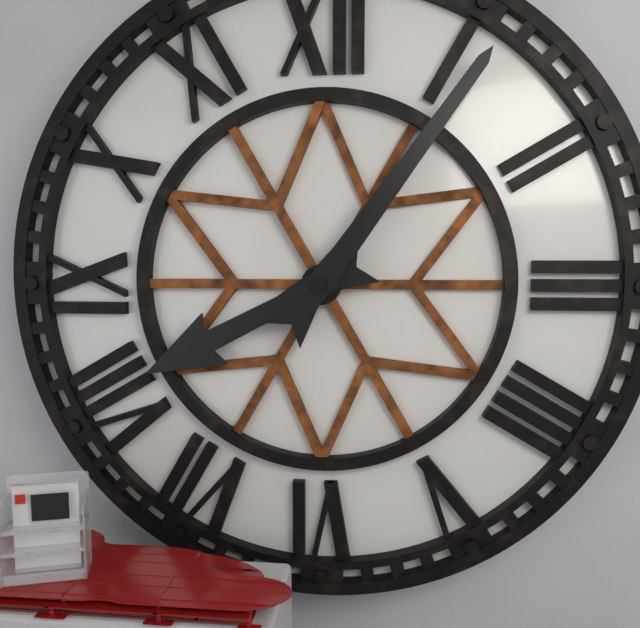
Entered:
8 h 06 min
